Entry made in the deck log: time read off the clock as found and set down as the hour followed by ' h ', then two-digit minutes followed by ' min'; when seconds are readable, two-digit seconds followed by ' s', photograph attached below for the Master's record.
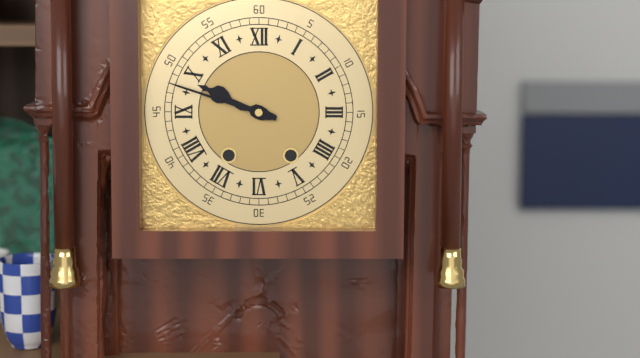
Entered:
9 h 48 min
